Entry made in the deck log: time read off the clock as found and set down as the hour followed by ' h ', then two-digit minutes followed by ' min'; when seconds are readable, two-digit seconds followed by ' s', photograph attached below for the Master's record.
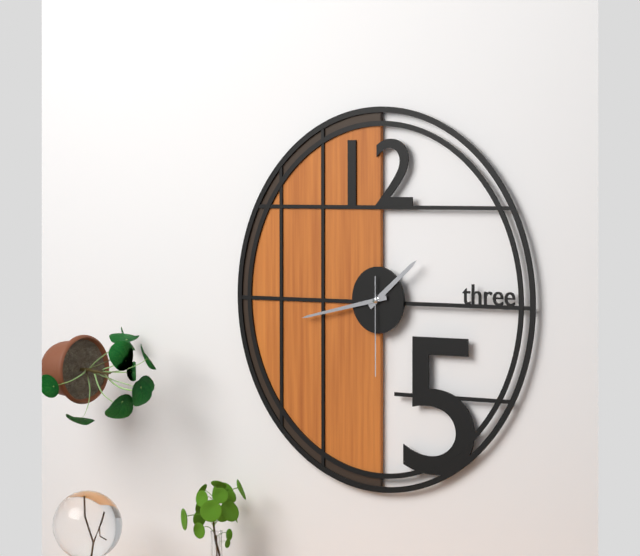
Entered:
1 h 43 min 30 s
